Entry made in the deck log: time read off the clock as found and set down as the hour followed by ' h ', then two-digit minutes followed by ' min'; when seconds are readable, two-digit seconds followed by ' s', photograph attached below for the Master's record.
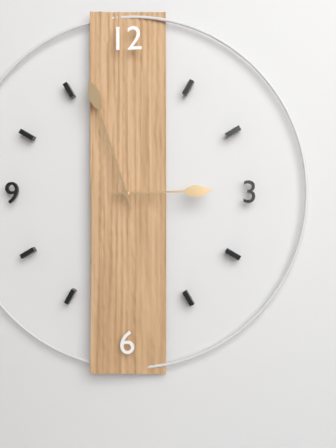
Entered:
2 h 57 min
